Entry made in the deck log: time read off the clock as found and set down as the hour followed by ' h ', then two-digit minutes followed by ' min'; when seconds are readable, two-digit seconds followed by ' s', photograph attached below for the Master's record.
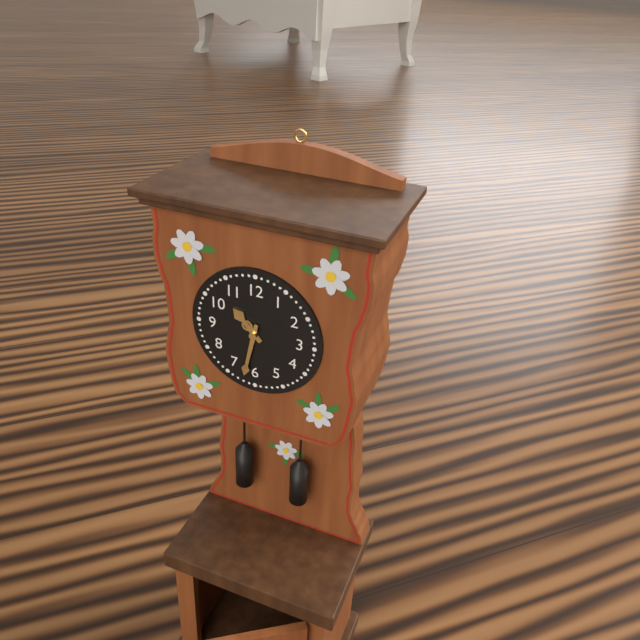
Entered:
10 h 32 min
